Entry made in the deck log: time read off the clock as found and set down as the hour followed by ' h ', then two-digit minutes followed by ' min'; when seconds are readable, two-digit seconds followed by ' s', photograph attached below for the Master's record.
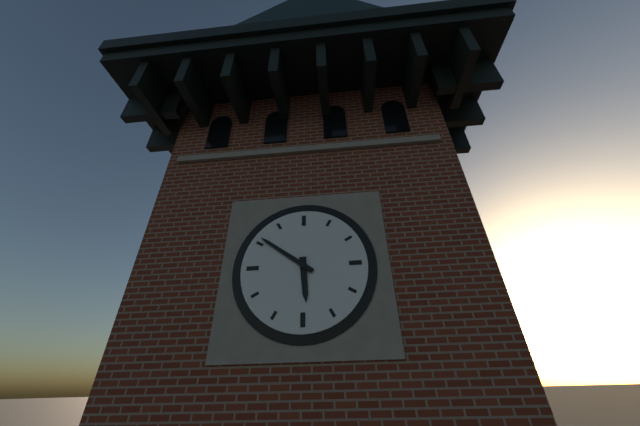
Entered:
5 h 51 min
